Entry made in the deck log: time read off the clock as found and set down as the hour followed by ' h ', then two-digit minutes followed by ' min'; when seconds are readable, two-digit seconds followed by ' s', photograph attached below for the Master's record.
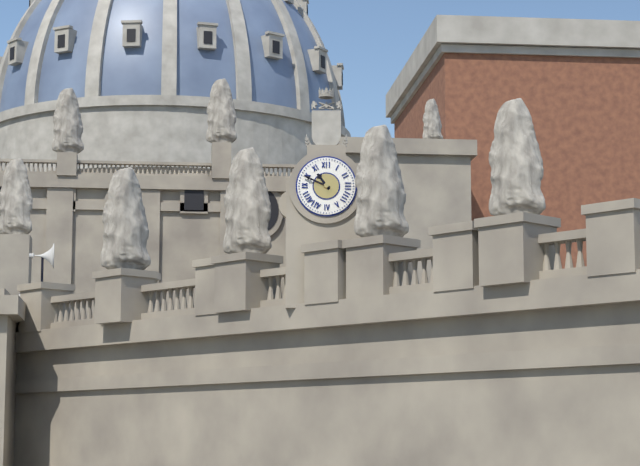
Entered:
10 h 49 min
